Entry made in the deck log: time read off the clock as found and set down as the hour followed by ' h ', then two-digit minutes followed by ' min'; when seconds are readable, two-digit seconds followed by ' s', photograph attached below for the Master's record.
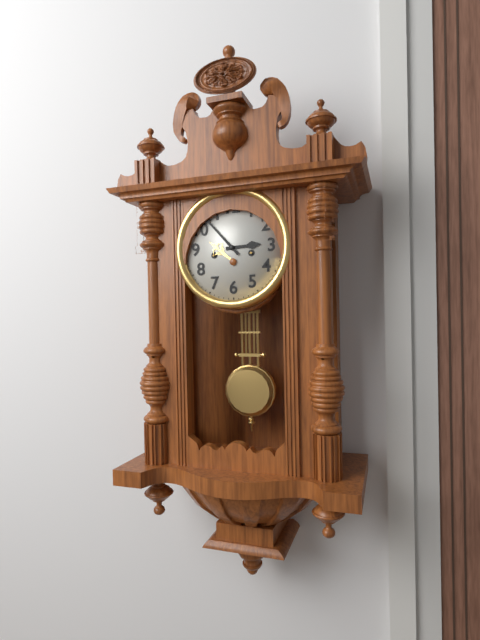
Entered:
2 h 53 min
